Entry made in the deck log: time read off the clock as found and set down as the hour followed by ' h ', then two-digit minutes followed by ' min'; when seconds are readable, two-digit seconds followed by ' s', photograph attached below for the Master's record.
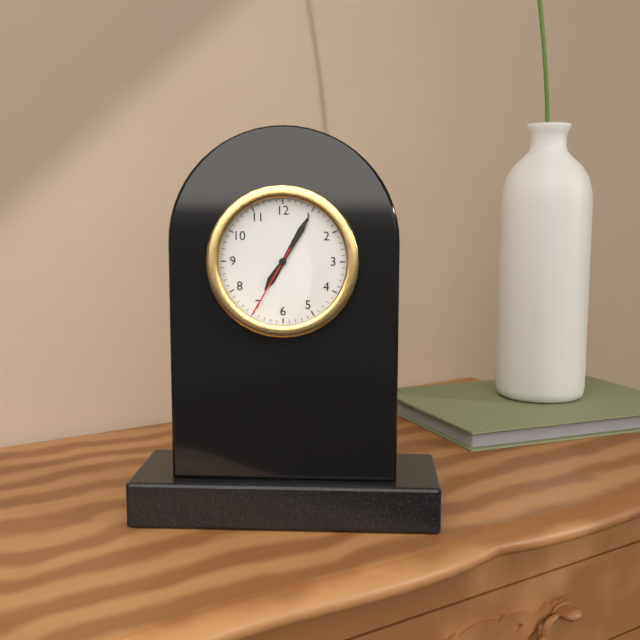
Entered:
7 h 05 min 35 s
